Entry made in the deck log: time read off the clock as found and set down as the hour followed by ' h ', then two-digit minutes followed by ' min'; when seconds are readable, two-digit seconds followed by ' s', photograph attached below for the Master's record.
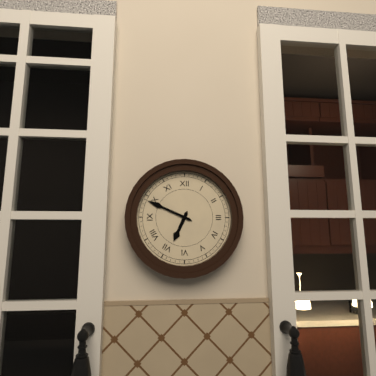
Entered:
6 h 49 min
